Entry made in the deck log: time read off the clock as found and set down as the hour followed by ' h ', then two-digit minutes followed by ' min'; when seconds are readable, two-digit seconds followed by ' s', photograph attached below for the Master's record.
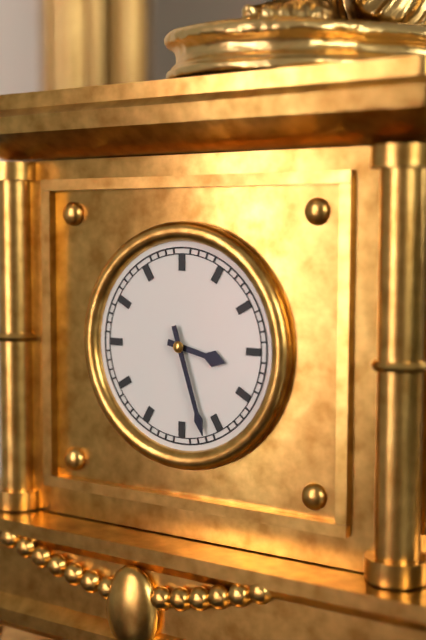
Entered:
3 h 27 min
